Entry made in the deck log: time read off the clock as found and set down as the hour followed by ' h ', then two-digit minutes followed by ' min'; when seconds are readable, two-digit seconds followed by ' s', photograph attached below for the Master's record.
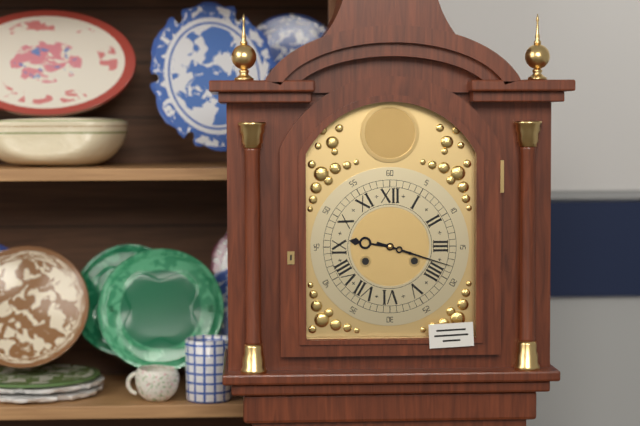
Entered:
9 h 18 min
